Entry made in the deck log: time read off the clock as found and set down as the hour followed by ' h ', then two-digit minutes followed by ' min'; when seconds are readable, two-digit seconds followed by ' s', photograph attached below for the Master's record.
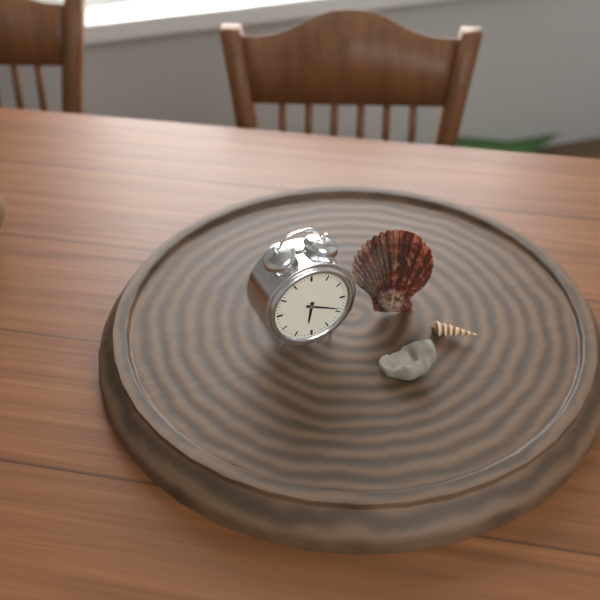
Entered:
6 h 19 min
